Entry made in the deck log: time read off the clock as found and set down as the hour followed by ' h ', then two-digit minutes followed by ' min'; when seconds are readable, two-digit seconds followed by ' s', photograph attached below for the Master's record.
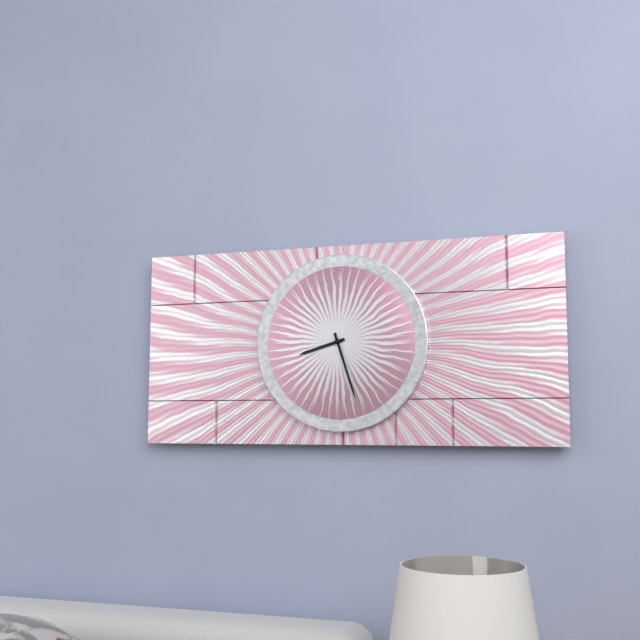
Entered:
8 h 27 min
